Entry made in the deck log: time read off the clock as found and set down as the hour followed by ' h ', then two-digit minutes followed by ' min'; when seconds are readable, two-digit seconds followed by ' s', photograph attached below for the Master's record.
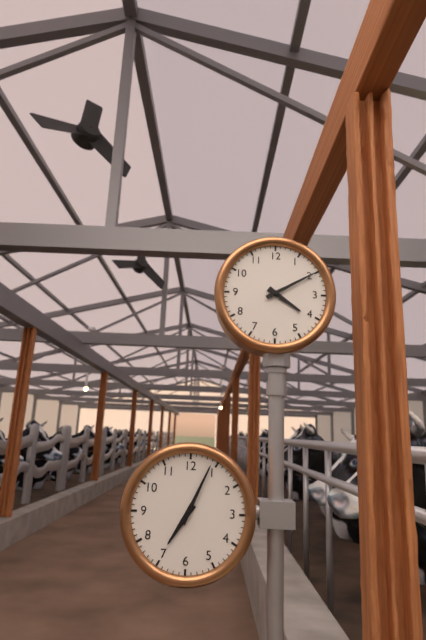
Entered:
4 h 10 min
